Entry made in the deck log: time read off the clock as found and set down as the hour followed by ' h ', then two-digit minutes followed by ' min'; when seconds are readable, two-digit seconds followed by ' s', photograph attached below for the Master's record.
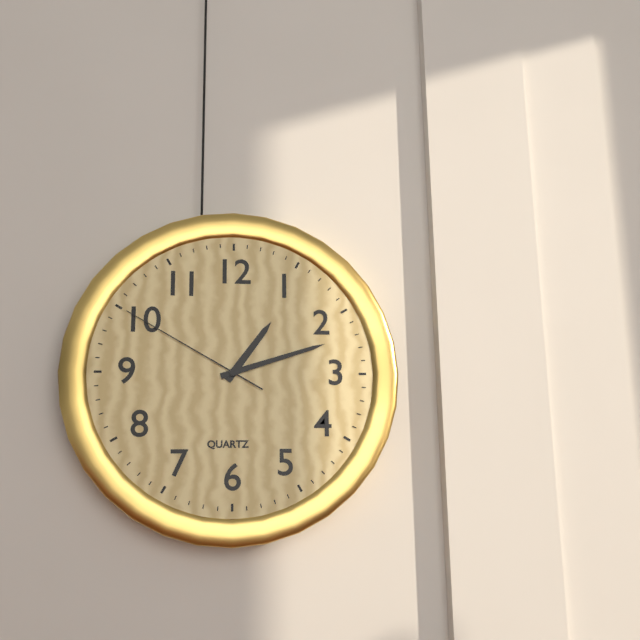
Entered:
1 h 12 min 50 s
